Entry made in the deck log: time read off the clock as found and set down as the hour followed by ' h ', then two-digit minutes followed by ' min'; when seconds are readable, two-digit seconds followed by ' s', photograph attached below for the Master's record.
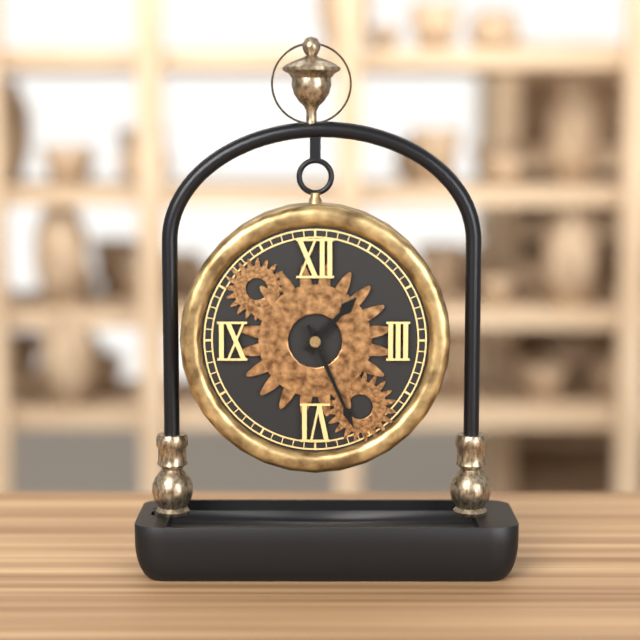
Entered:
1 h 26 min
